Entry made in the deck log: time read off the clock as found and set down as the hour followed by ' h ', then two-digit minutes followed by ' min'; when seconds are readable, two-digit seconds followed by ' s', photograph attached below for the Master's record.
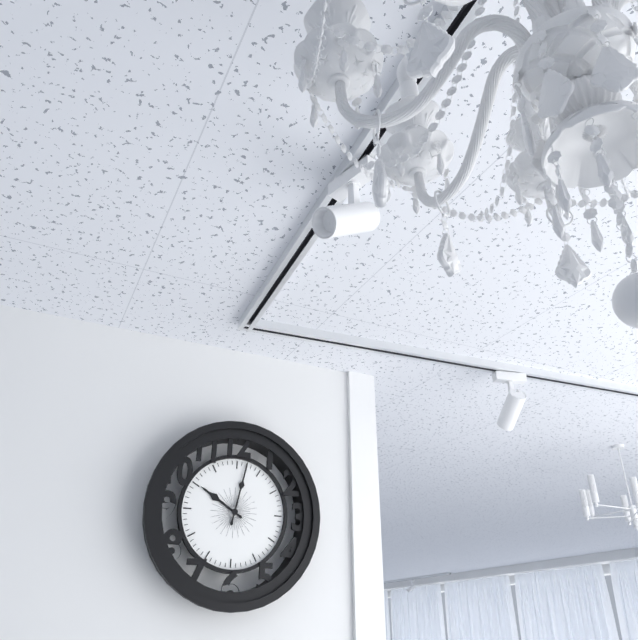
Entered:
10 h 02 min
